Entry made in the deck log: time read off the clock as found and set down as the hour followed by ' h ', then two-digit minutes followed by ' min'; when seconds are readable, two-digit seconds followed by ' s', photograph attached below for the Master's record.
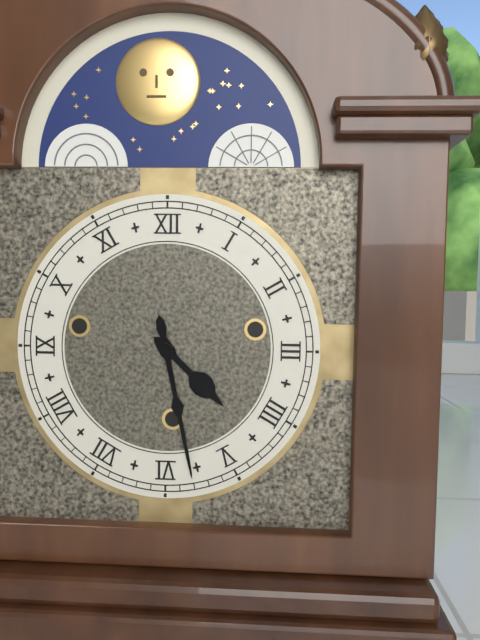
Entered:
4 h 28 min
